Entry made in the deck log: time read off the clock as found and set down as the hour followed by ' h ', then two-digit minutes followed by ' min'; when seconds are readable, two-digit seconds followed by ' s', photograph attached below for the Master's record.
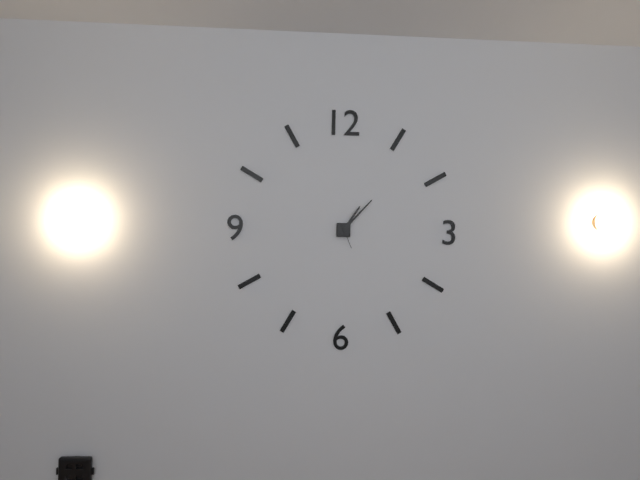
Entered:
1 h 07 min
